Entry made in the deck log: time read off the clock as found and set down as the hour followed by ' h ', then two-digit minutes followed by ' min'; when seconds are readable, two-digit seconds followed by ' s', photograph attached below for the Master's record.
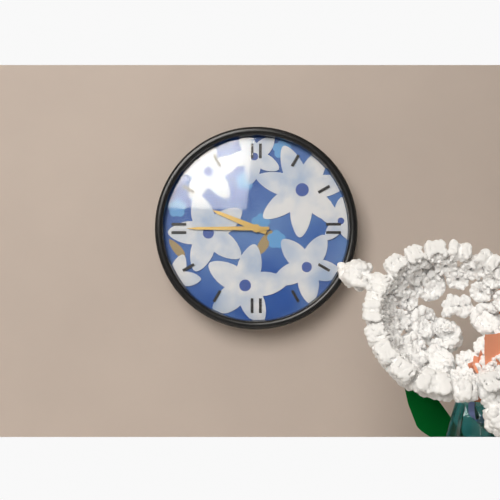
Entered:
9 h 45 min
